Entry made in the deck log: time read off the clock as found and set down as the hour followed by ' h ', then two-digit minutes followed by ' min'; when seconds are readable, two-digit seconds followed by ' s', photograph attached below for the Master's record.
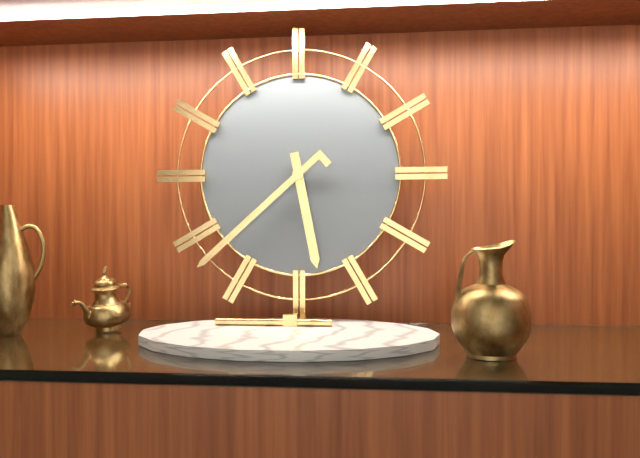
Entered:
5 h 38 min
